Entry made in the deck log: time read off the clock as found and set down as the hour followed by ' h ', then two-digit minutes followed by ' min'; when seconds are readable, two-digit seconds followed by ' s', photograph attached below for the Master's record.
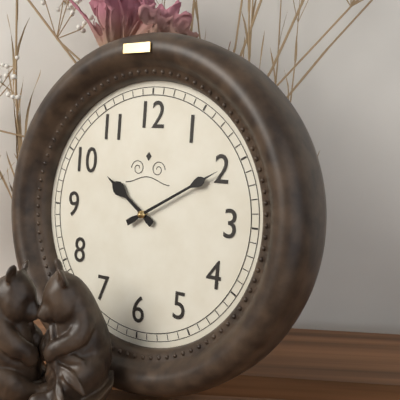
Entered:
10 h 10 min
